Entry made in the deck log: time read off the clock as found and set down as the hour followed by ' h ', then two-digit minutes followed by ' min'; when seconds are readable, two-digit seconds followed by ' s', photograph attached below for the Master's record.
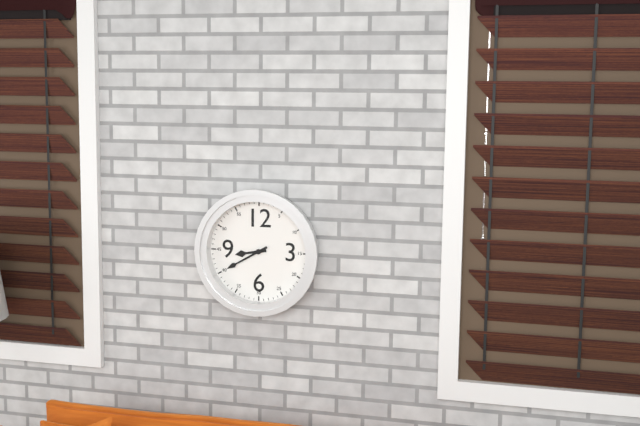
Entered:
8 h 40 min
